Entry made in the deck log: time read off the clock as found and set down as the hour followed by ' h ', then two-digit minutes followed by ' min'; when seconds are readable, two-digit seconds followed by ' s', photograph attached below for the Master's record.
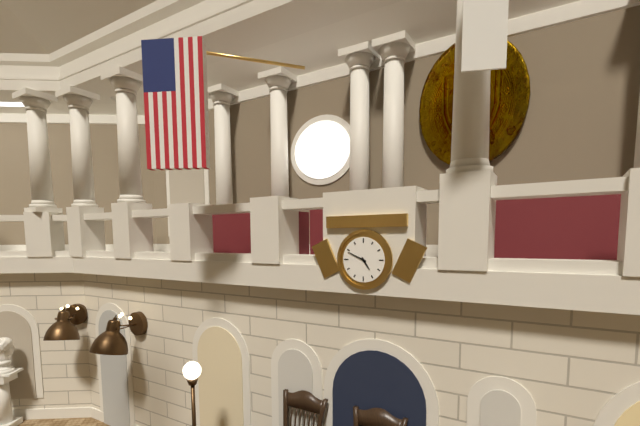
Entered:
4 h 49 min
